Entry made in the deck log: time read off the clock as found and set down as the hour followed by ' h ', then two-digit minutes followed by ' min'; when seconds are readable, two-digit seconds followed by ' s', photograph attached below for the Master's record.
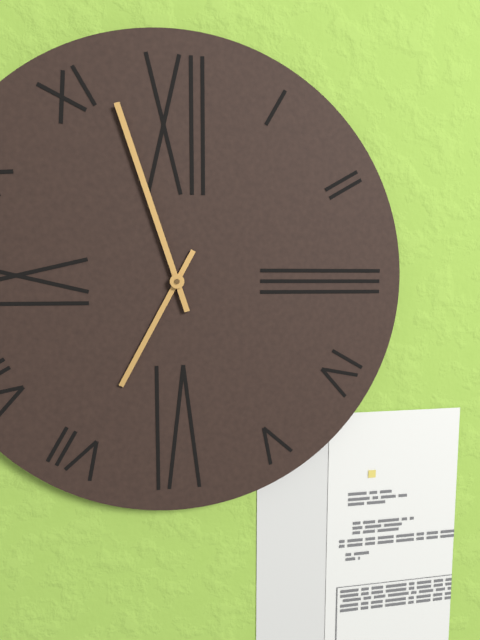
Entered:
6 h 57 min
